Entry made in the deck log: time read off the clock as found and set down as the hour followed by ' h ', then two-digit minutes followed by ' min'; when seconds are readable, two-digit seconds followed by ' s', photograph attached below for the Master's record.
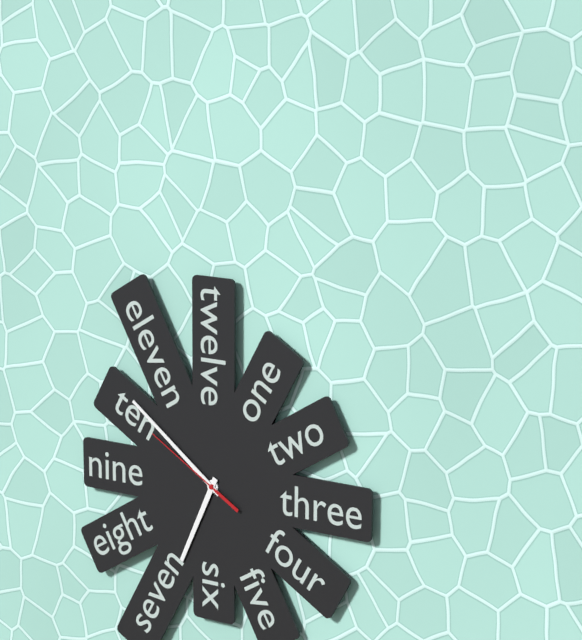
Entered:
6 h 51 min 50 s
